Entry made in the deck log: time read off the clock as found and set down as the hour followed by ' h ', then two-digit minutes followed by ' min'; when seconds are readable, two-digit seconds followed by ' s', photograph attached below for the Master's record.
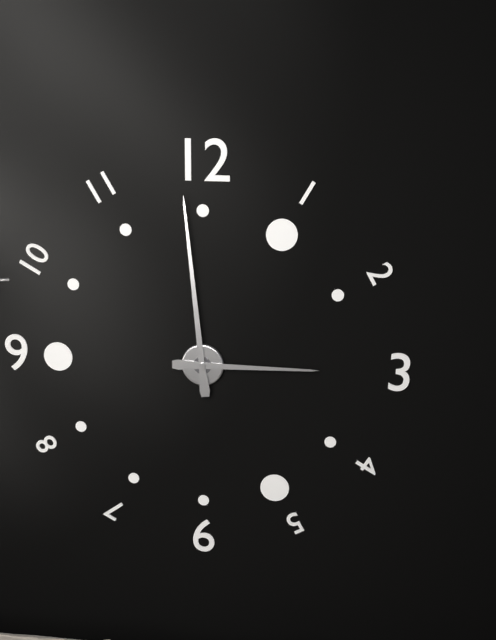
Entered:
2 h 59 min
